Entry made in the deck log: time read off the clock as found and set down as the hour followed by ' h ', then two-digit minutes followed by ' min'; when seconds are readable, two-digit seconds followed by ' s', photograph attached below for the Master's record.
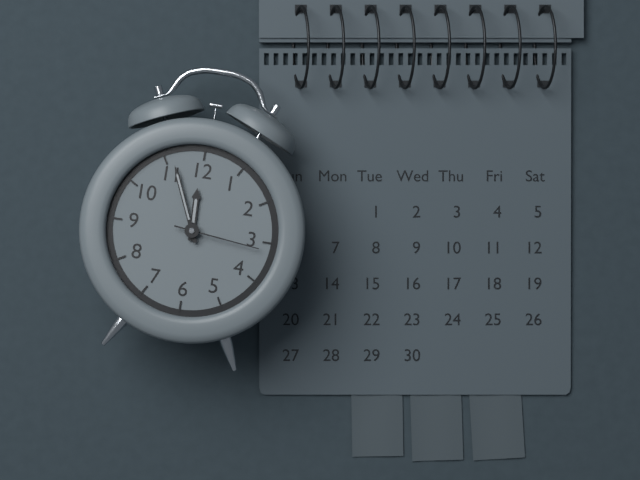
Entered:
11 h 56 min 16 s
